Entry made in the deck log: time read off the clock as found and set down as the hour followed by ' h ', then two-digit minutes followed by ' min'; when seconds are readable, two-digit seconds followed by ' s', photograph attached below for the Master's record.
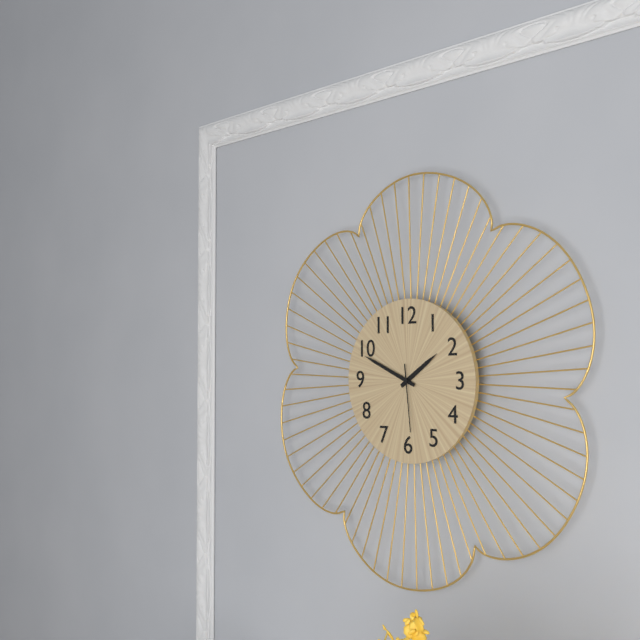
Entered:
1 h 49 min 29 s
